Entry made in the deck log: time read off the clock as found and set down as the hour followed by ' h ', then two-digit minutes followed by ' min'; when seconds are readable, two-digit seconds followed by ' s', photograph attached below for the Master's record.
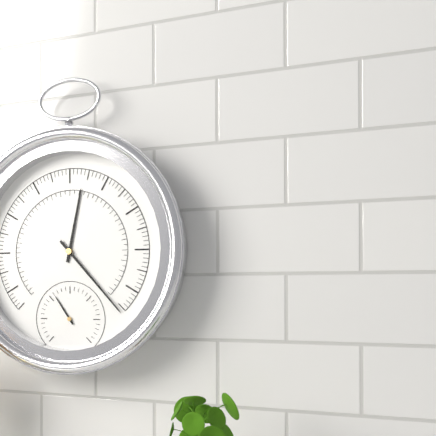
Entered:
12 h 23 min
